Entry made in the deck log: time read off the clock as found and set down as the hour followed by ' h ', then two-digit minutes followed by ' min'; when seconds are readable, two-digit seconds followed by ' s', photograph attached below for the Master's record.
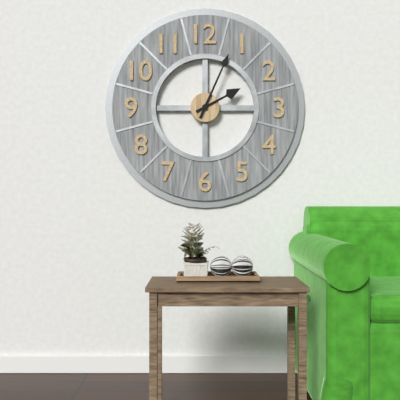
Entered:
2 h 04 min
